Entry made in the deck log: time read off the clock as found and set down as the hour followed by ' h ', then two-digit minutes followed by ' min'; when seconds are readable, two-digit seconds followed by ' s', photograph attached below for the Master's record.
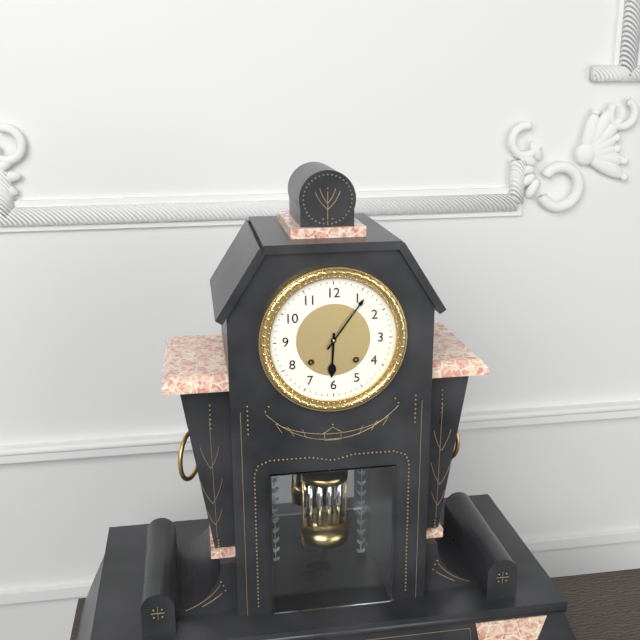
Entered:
6 h 06 min
